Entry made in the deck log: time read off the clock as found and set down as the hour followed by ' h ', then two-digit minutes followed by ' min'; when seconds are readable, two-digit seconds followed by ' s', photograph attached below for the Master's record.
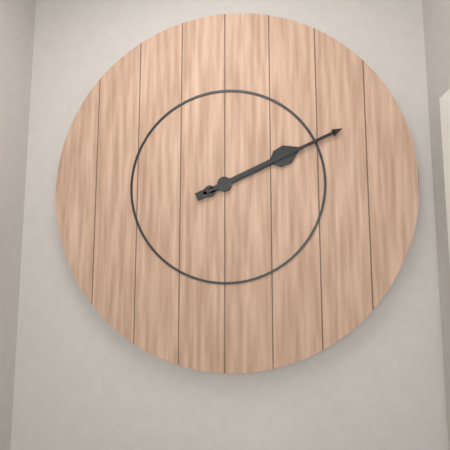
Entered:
2 h 11 min
